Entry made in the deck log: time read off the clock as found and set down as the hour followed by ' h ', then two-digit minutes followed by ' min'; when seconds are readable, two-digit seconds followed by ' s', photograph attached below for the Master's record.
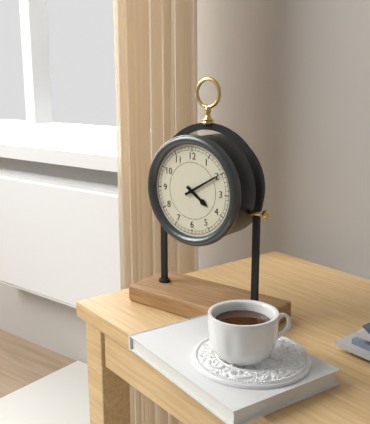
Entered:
4 h 10 min
